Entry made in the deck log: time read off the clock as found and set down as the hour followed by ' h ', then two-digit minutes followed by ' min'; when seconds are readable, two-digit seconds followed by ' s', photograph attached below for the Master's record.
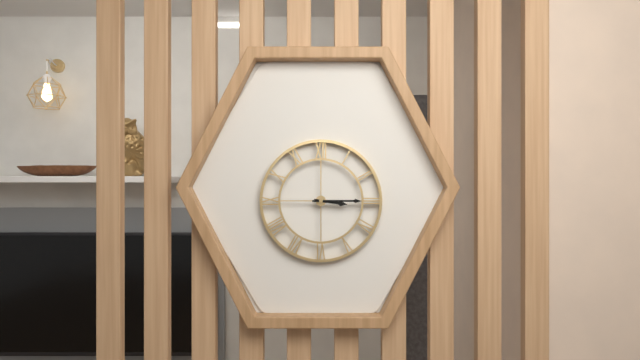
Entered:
3 h 15 min
